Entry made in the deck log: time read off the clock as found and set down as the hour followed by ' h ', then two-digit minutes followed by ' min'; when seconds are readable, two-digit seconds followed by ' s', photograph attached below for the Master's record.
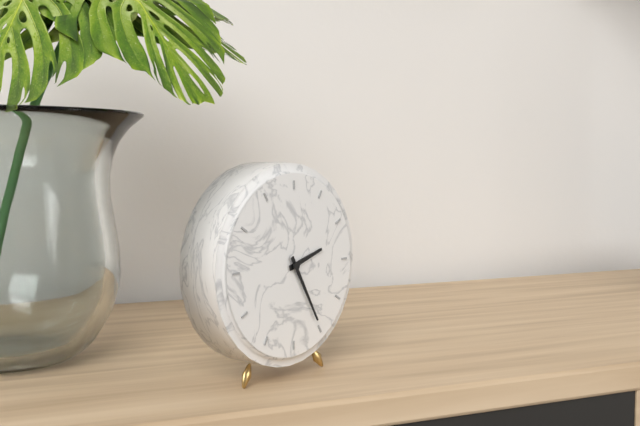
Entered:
2 h 25 min
